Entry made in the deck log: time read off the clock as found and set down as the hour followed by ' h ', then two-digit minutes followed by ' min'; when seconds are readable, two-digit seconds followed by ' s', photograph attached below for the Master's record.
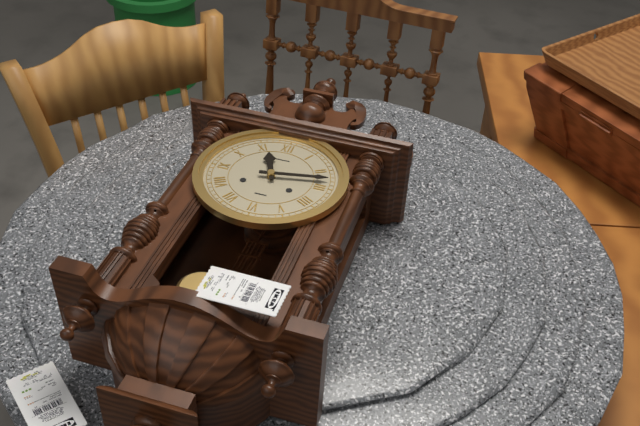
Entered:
11 h 13 min
